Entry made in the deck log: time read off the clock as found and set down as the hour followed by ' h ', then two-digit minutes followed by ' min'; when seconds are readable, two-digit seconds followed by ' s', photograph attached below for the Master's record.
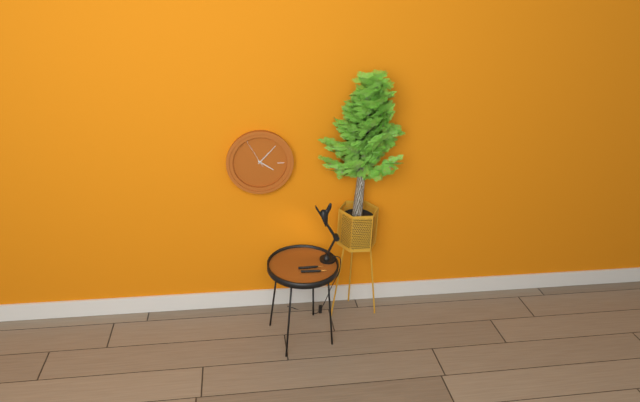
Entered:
4 h 07 min
